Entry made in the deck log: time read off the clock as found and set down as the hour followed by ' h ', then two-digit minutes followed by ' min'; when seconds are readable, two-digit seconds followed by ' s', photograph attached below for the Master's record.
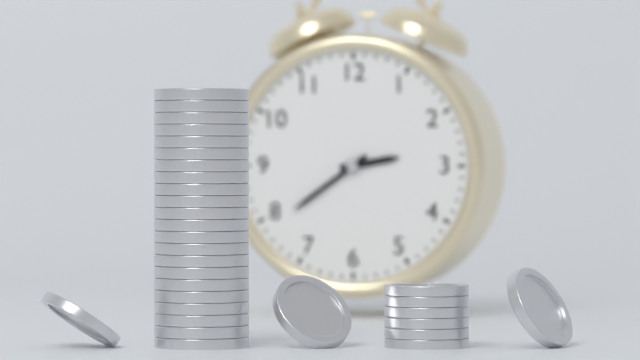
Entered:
2 h 39 min
